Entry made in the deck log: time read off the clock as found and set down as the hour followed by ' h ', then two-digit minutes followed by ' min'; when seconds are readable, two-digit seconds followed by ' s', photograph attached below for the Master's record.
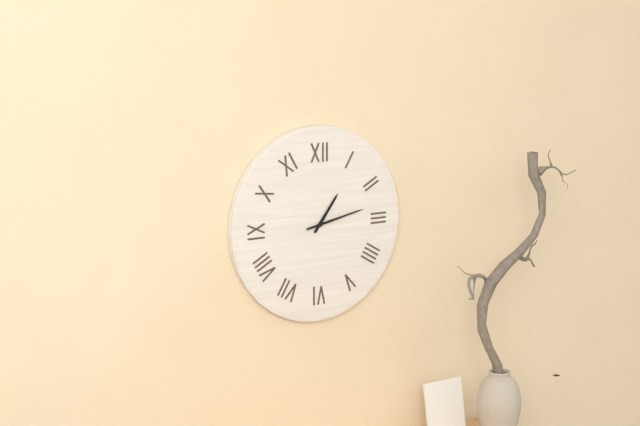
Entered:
1 h 13 min
